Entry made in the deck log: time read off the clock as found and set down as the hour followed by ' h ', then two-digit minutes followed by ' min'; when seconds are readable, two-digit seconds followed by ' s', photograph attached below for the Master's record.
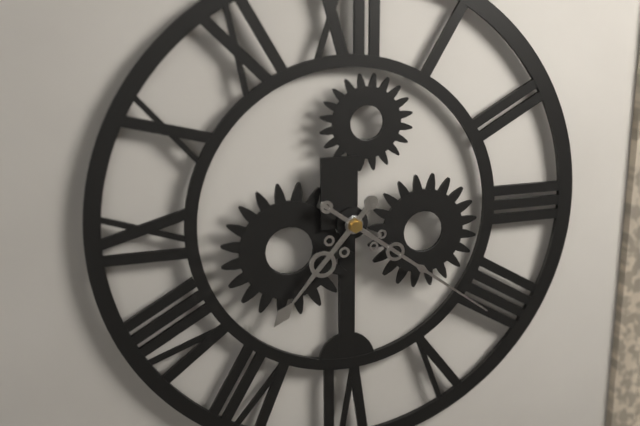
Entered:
7 h 21 min
